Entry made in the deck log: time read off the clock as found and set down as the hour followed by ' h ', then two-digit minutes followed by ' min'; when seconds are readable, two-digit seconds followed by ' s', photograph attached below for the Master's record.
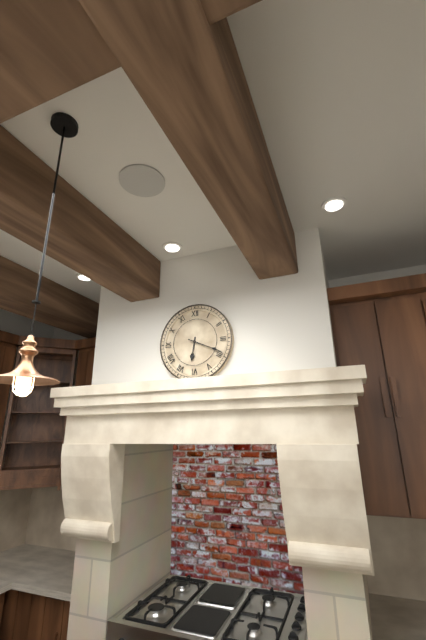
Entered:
6 h 19 min
